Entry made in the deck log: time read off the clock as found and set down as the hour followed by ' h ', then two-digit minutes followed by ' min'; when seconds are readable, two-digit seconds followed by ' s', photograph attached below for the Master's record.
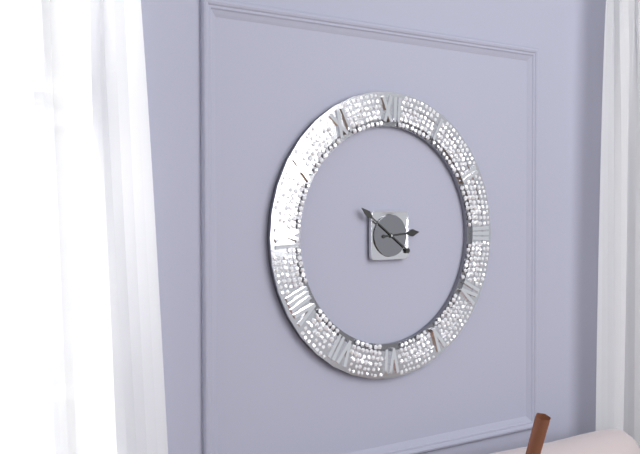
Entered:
2 h 51 min
